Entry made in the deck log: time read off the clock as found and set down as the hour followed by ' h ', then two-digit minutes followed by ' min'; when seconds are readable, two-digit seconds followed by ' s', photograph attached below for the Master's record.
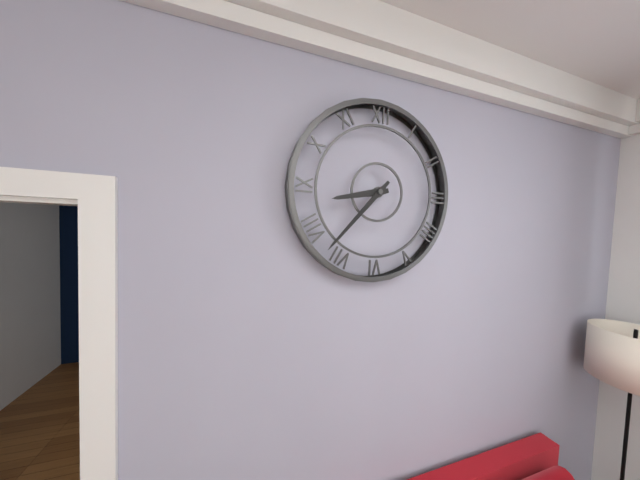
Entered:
8 h 37 min
